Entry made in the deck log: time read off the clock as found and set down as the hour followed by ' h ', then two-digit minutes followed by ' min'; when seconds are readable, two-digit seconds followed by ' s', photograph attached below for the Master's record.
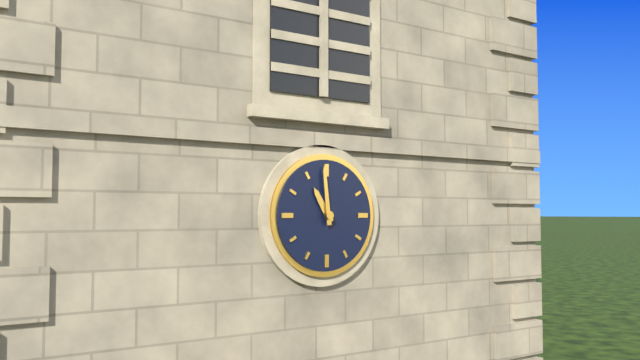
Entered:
10 h 59 min
